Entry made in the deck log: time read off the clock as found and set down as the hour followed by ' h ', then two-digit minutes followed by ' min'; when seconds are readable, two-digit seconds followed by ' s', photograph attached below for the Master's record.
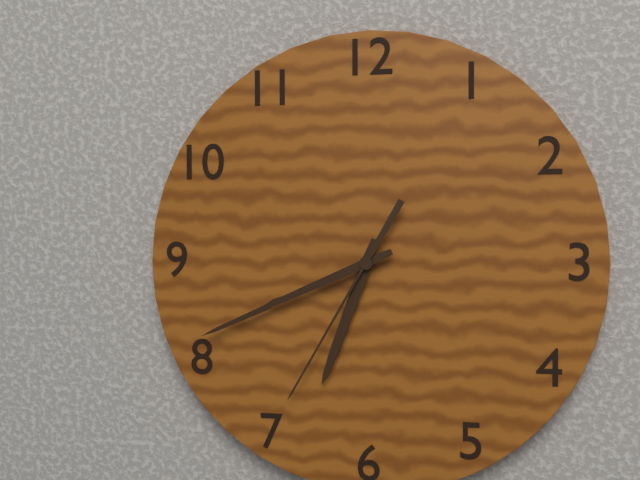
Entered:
6 h 41 min 35 s
